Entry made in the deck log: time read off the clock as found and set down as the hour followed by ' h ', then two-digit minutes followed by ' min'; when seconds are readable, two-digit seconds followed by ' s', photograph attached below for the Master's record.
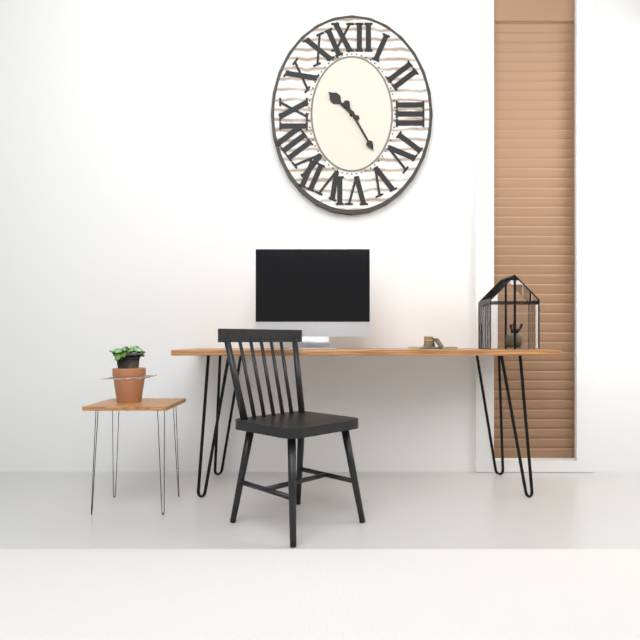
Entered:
10 h 25 min
